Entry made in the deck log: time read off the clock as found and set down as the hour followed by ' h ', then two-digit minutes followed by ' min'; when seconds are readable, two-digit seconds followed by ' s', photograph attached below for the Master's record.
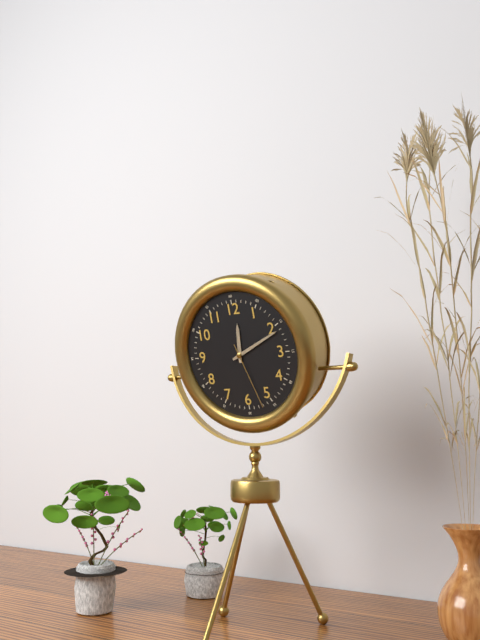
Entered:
12 h 11 min 27 s
